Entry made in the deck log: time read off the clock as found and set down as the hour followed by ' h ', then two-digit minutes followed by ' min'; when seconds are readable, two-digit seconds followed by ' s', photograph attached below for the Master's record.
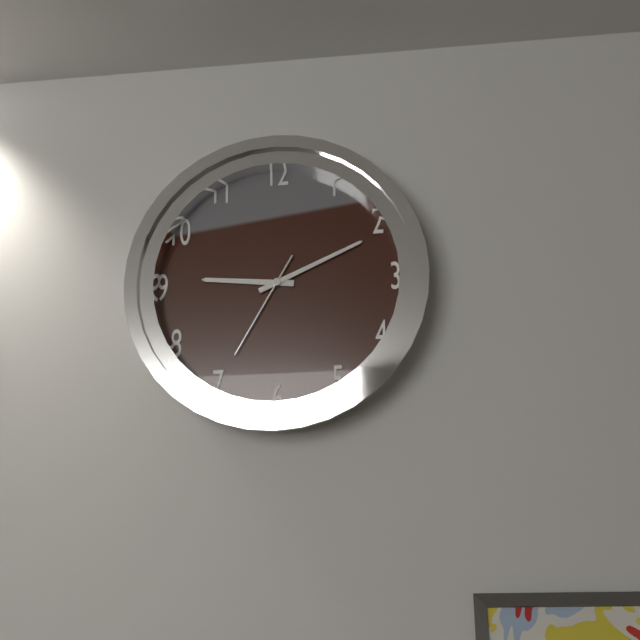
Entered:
9 h 11 min 35 s
